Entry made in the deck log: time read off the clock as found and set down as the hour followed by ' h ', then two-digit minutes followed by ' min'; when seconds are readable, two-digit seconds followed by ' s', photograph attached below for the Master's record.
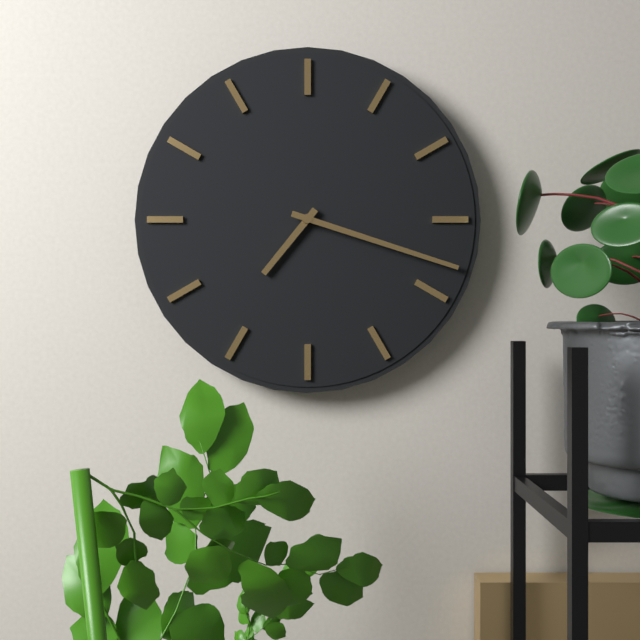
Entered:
7 h 18 min
